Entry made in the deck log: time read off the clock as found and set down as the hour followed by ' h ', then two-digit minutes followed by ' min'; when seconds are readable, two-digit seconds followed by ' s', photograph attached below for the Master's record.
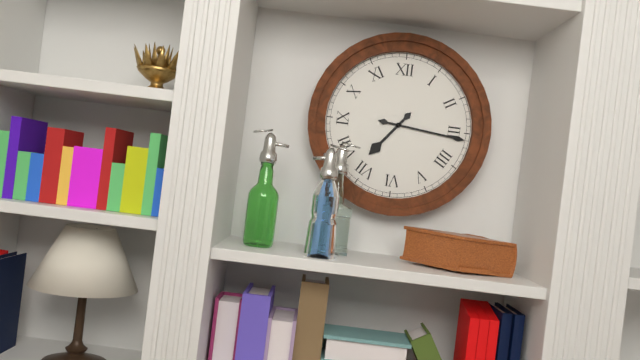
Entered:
7 h 16 min
